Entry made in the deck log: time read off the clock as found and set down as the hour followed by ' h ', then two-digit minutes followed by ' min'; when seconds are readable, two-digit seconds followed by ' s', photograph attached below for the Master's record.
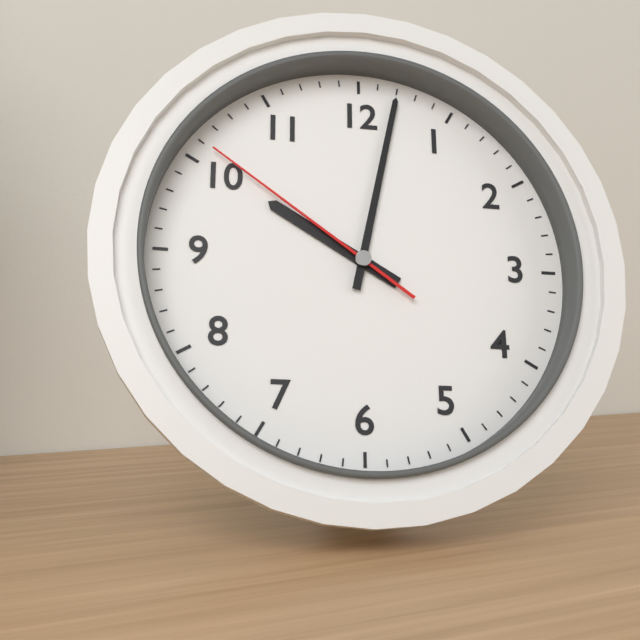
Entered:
10 h 02 min 51 s
